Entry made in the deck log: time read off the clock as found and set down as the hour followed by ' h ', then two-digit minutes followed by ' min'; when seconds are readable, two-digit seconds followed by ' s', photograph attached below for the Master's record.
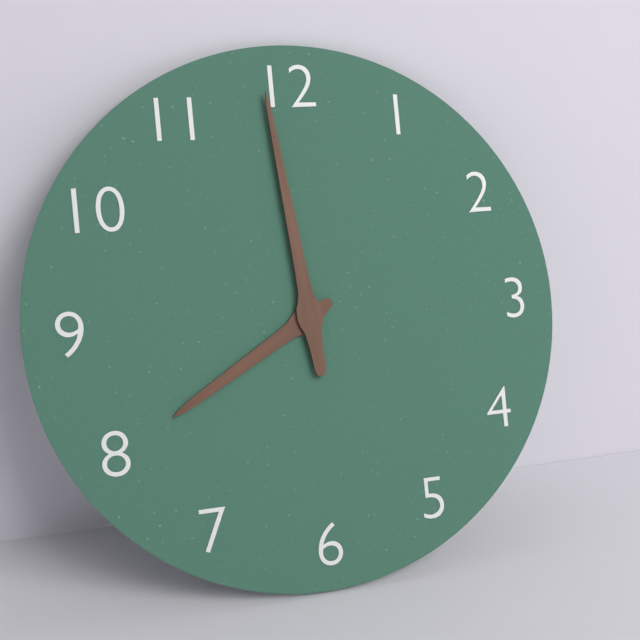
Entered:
7 h 59 min
